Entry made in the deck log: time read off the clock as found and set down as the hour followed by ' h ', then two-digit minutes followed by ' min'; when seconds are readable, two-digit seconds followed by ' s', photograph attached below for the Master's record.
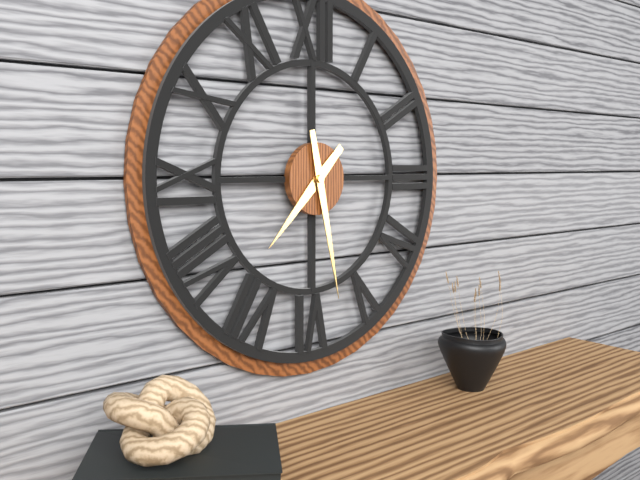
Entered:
7 h 28 min
